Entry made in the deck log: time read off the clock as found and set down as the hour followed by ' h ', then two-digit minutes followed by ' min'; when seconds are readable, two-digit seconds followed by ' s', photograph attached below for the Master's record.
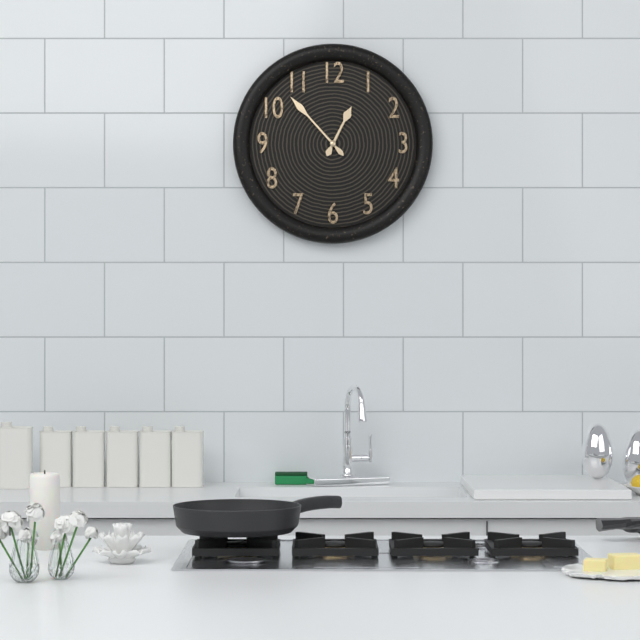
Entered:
12 h 53 min
